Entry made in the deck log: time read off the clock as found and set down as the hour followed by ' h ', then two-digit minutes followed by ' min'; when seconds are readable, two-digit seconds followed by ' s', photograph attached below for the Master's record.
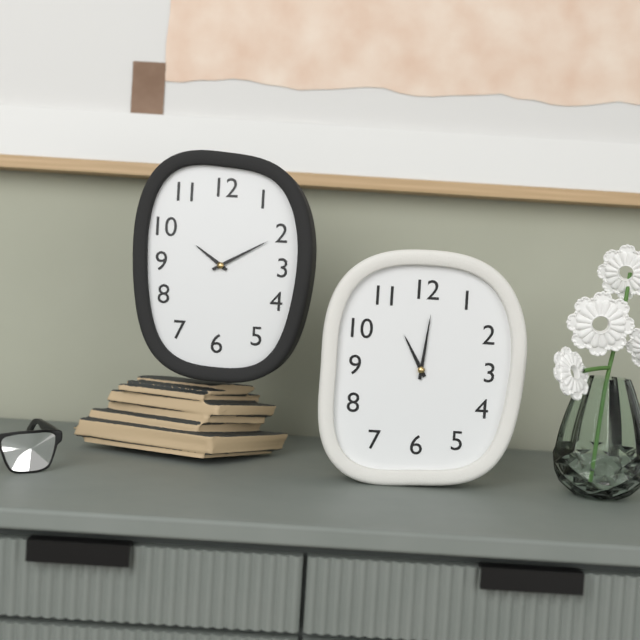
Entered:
11 h 01 min
